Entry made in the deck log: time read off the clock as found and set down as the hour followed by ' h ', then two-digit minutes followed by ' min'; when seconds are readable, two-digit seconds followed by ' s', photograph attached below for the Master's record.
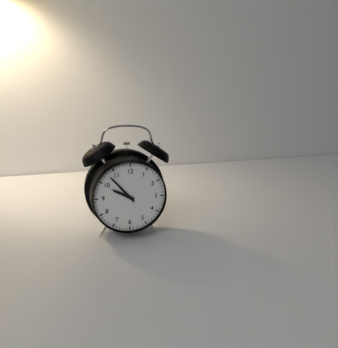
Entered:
9 h 53 min
